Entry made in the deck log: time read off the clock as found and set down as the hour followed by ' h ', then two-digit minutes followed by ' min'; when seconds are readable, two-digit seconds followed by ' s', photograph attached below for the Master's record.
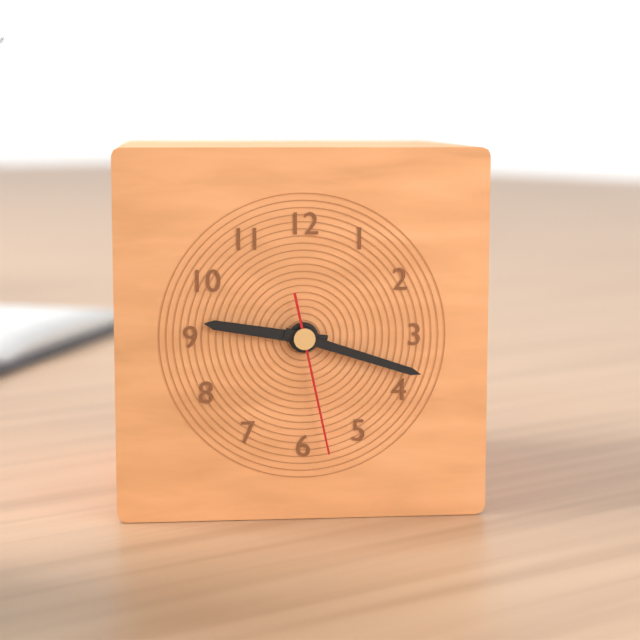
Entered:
9 h 18 min 28 s
